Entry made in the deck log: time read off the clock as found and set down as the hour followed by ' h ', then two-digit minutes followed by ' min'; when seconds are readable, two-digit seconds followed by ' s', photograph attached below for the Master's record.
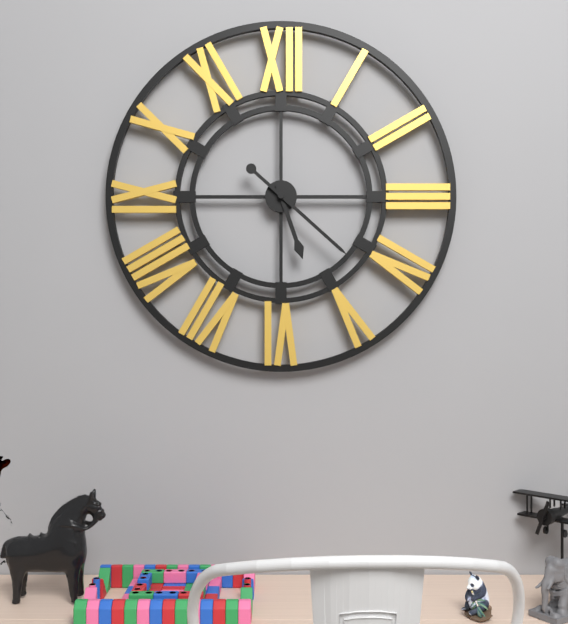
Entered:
5 h 22 min
